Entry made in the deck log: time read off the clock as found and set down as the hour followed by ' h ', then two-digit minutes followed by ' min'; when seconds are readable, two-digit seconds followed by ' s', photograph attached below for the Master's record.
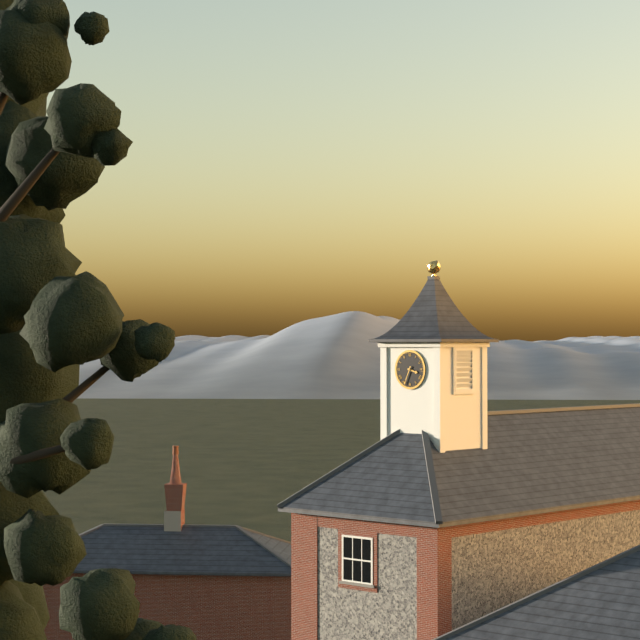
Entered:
3 h 34 min
